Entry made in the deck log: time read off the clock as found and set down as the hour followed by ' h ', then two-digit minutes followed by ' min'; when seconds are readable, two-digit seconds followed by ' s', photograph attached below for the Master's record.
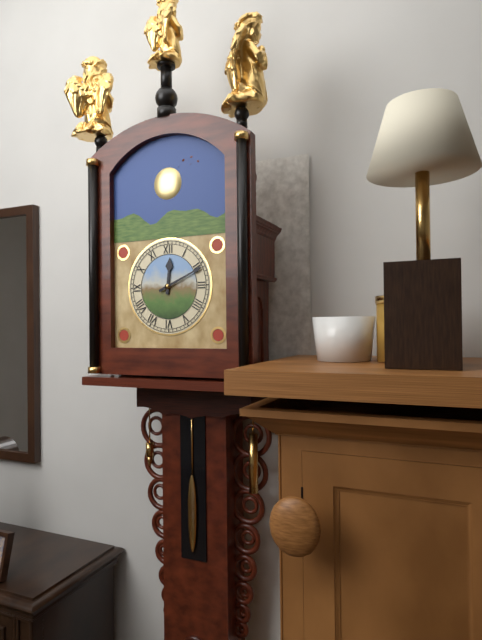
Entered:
12 h 11 min
